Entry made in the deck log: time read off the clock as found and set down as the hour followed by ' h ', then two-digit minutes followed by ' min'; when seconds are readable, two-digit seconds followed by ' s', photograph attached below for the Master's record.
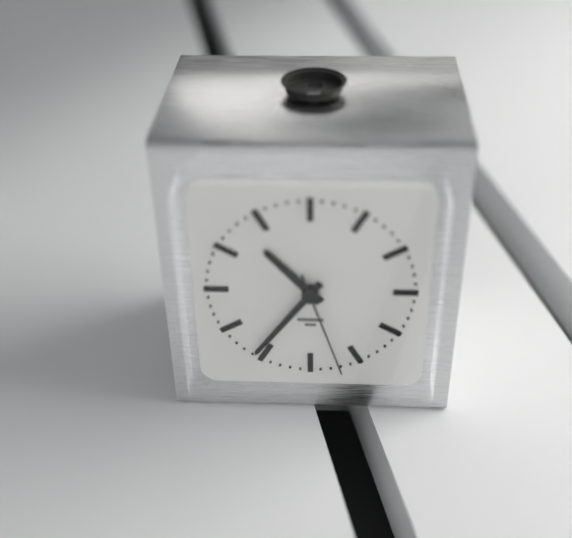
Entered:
10 h 36 min 27 s
